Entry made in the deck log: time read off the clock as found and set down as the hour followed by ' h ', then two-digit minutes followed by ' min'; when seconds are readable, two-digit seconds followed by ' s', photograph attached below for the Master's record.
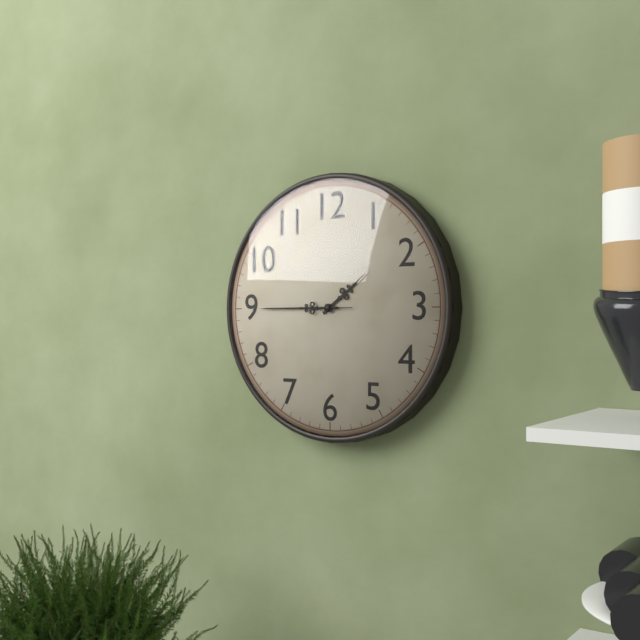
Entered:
1 h 45 min 45 s
